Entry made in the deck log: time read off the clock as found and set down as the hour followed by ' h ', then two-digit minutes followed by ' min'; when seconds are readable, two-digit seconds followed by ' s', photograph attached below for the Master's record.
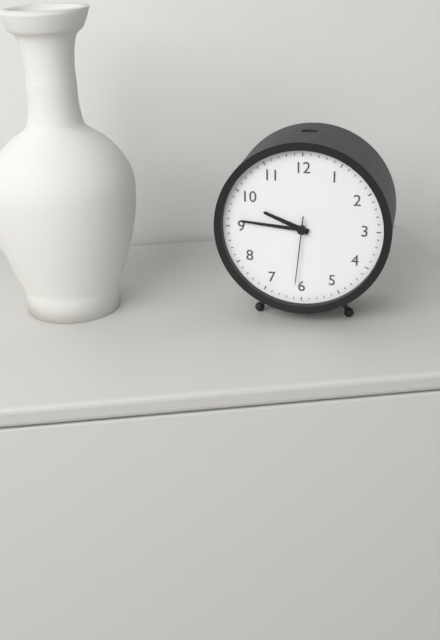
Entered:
9 h 46 min 31 s
